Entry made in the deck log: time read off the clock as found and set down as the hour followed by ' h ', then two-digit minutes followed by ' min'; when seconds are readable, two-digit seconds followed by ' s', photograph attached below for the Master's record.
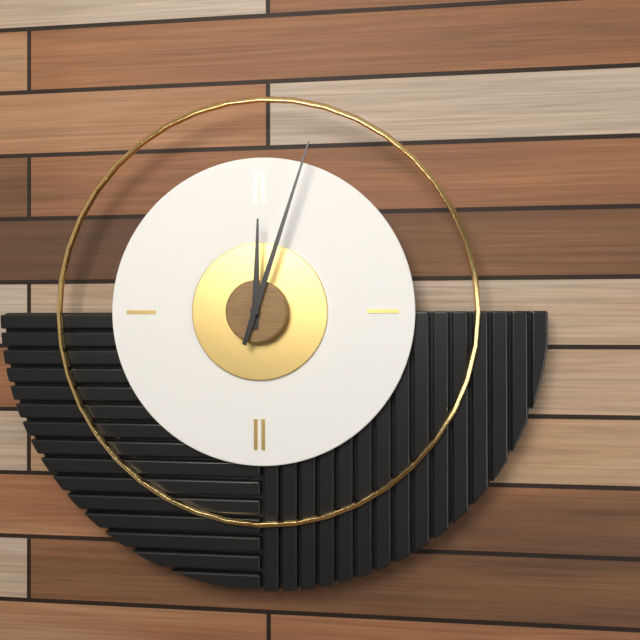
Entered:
12 h 03 min
